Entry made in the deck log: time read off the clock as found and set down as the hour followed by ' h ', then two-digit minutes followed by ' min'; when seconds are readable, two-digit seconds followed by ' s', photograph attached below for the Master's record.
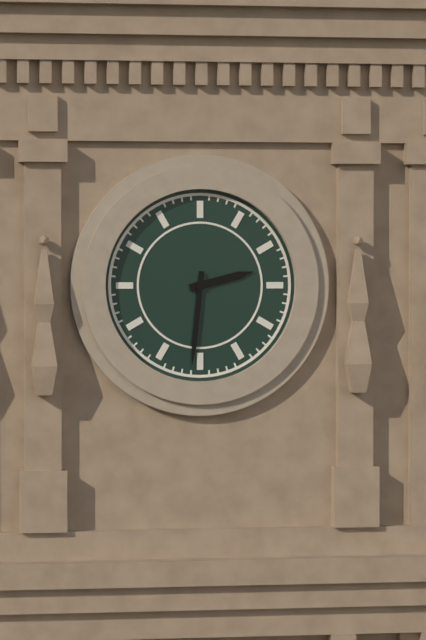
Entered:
2 h 31 min
